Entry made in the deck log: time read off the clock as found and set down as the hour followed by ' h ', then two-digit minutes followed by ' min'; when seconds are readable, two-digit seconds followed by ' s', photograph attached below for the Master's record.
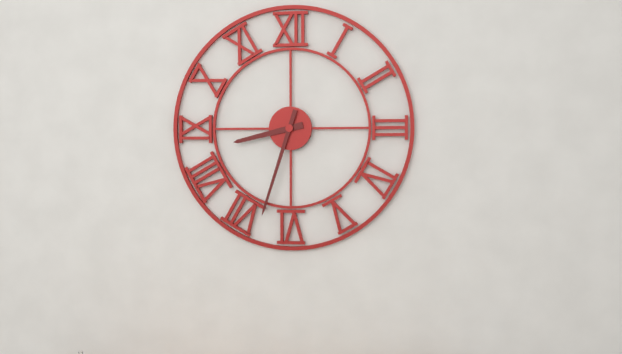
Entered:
8 h 33 min
